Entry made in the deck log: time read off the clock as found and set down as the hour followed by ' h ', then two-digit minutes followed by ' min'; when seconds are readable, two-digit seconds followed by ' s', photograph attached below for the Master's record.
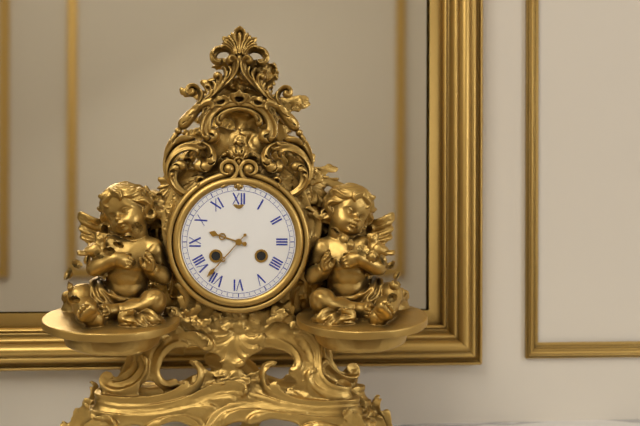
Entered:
9 h 37 min
